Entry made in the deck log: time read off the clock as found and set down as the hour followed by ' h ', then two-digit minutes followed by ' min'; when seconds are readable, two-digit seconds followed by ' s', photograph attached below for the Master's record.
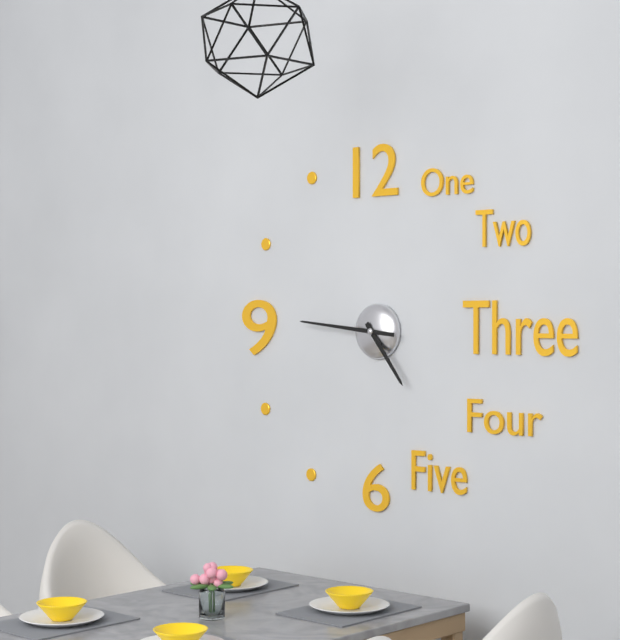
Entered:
4 h 46 min
